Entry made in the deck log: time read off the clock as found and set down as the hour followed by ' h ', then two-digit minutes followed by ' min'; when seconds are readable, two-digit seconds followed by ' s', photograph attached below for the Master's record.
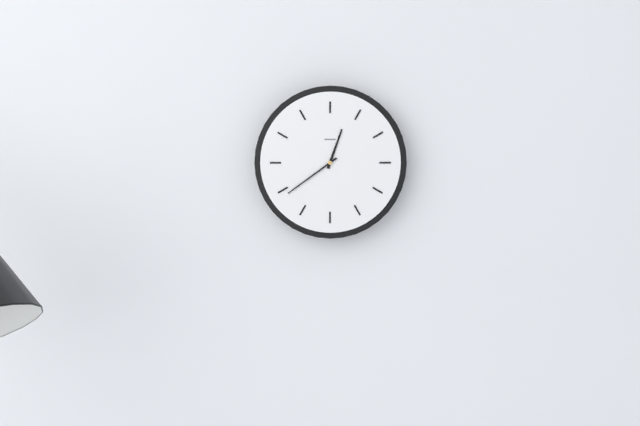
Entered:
12 h 39 min
